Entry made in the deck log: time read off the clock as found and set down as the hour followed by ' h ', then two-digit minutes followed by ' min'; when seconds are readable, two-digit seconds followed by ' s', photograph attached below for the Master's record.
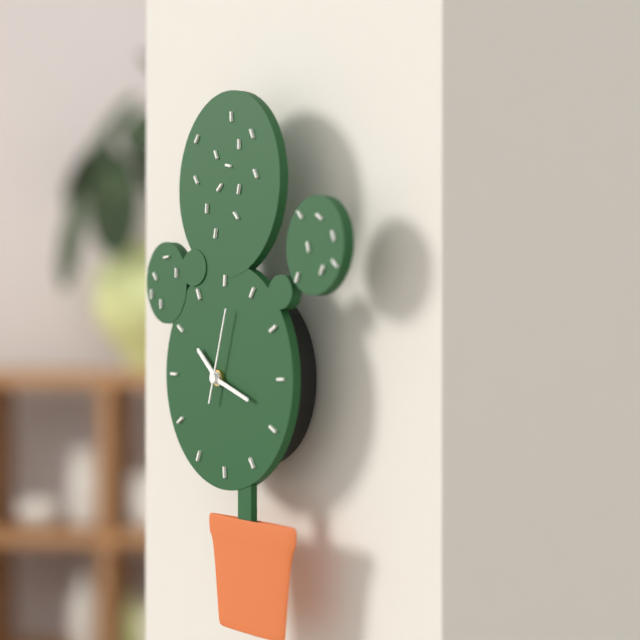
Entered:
10 h 18 min 03 s
